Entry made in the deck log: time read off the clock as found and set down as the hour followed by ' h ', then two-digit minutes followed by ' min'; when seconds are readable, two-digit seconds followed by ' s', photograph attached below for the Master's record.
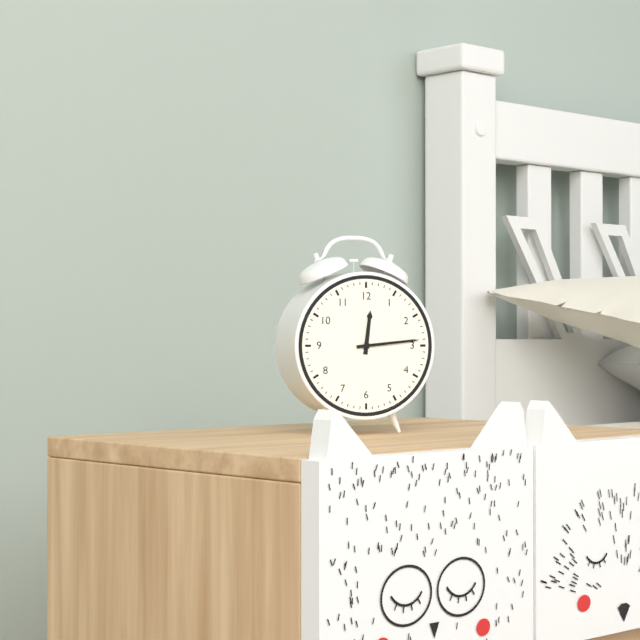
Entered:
12 h 14 min
